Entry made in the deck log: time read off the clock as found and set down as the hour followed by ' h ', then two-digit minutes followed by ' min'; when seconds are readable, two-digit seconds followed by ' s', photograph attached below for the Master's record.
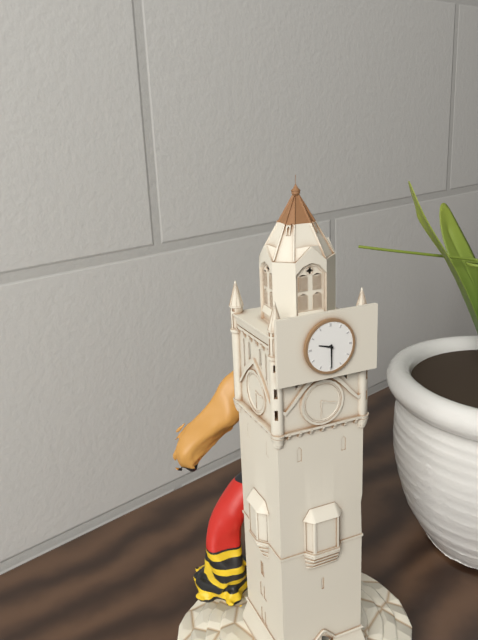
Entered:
9 h 30 min
